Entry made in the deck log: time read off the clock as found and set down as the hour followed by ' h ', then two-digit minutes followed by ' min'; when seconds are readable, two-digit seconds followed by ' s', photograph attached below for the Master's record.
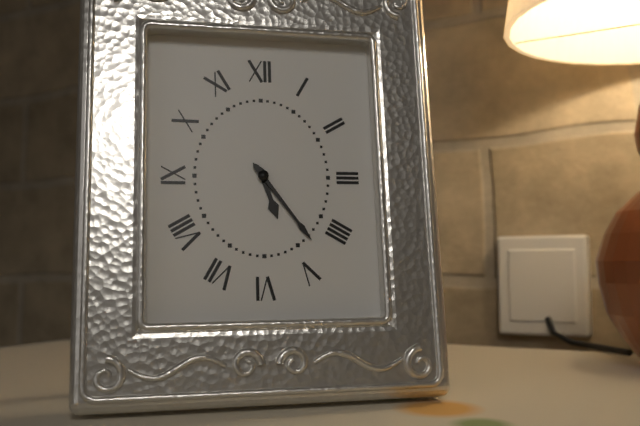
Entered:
5 h 24 min
